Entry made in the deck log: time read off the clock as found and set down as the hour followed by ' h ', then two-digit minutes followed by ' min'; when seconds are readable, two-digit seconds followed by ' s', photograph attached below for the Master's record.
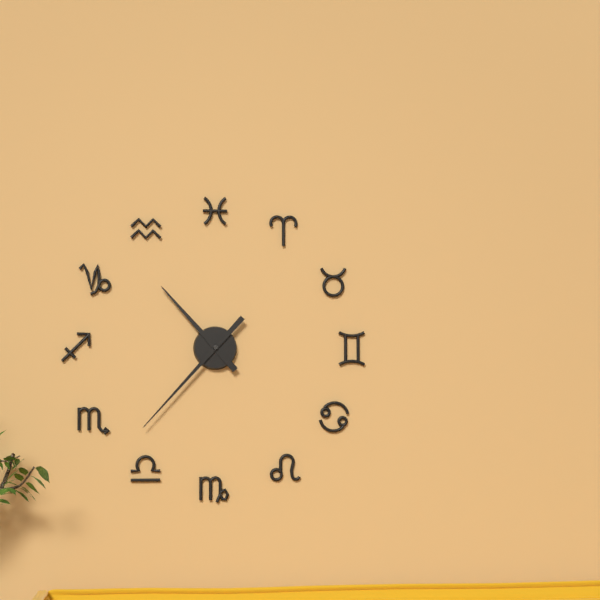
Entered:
10 h 37 min
